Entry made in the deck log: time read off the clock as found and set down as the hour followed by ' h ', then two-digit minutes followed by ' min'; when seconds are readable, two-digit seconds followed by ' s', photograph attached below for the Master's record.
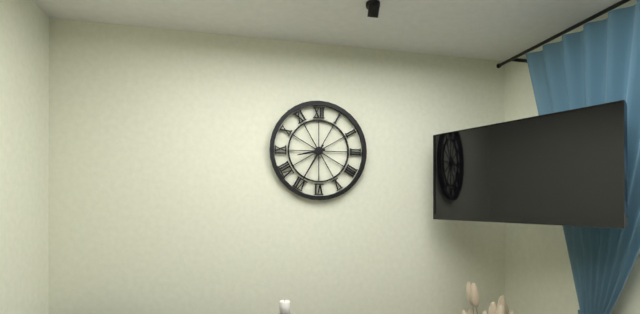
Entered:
8 h 35 min
